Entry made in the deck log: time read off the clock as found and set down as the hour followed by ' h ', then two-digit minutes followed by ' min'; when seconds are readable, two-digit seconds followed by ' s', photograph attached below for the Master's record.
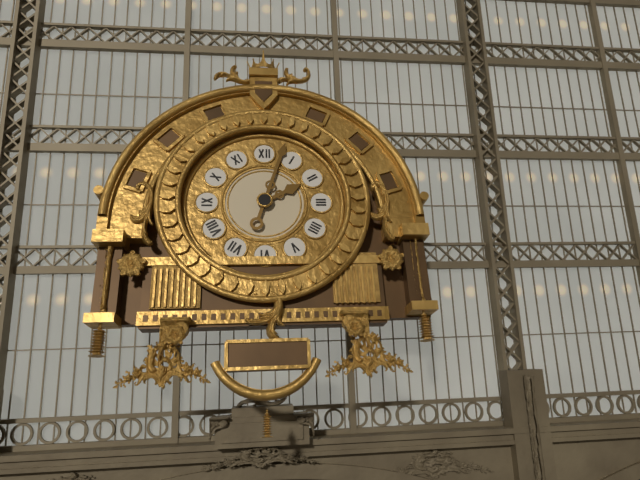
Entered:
2 h 03 min
